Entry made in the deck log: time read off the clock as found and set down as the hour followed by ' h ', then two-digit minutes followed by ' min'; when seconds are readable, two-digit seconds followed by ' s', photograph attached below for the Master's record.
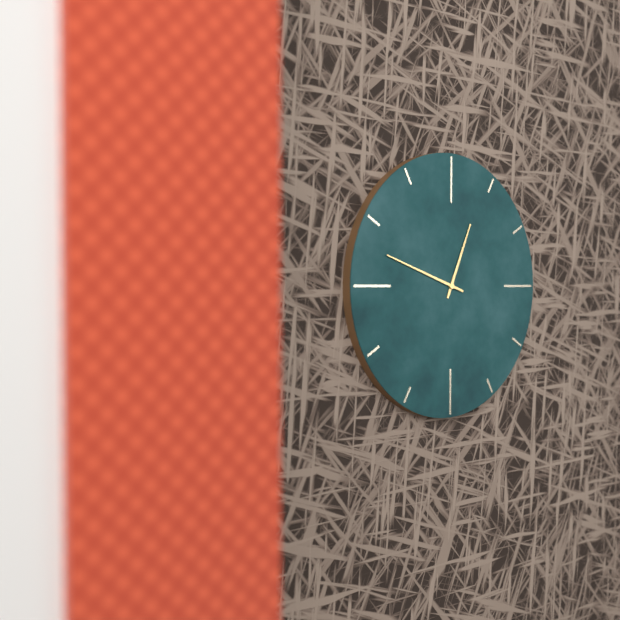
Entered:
12 h 48 min
